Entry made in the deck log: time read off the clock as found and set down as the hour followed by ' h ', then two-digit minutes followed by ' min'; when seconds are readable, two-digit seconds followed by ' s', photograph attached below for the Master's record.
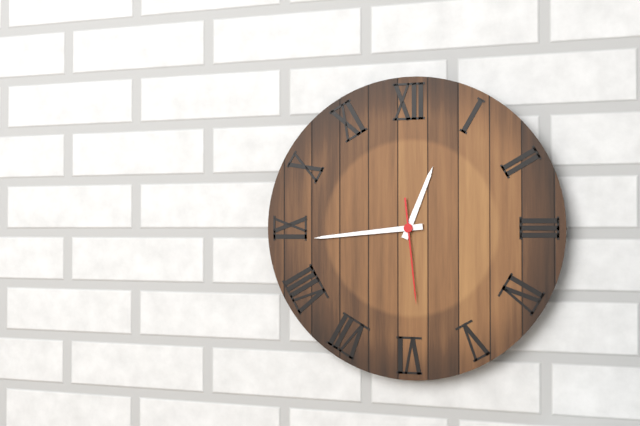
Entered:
12 h 44 min 29 s
